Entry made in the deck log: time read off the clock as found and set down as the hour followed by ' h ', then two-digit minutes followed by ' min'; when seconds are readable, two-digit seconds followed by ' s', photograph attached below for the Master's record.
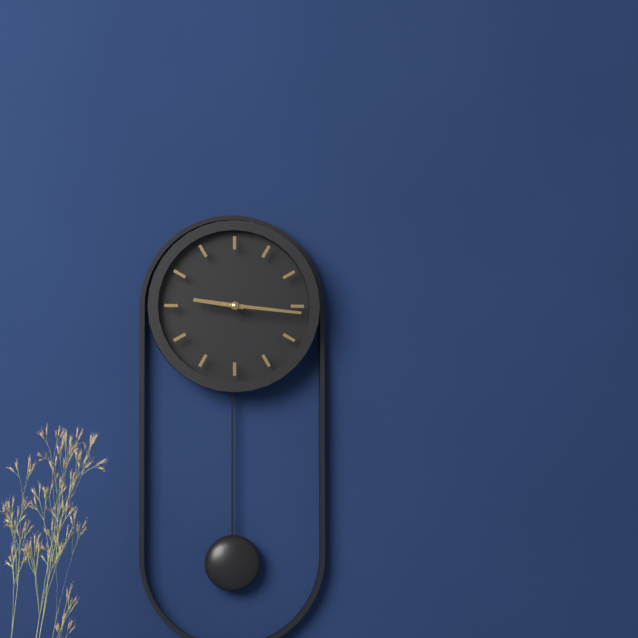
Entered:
9 h 16 min
